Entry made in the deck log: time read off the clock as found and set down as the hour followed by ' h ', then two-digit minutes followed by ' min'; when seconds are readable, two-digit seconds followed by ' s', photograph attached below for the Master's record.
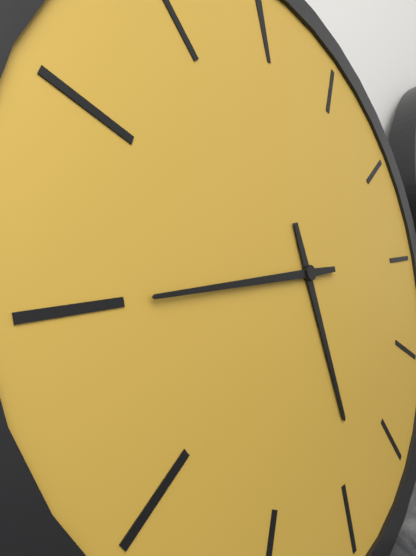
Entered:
5 h 45 min
